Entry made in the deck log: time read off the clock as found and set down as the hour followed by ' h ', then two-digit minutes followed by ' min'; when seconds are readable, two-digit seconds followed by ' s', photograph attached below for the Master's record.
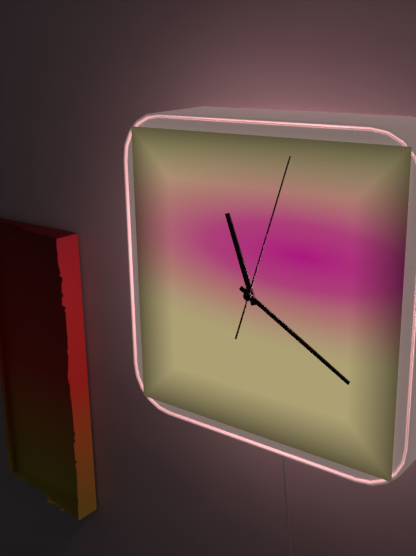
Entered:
11 h 20 min 03 s
